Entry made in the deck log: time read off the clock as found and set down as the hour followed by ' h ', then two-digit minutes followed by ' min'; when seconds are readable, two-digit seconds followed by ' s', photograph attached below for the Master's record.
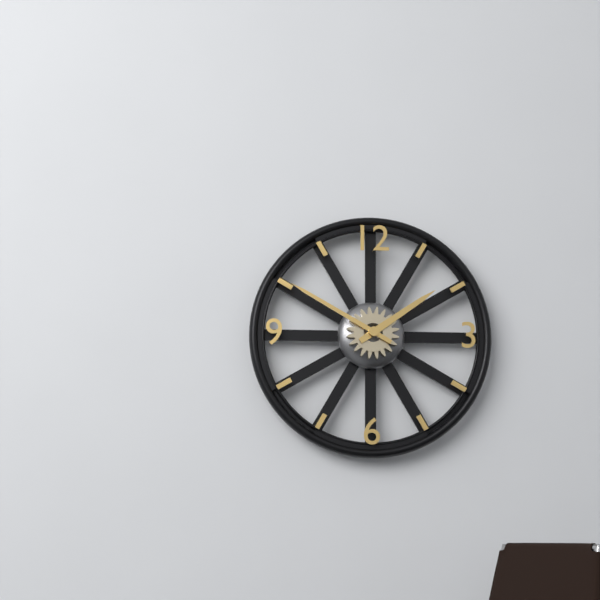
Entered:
1 h 50 min
